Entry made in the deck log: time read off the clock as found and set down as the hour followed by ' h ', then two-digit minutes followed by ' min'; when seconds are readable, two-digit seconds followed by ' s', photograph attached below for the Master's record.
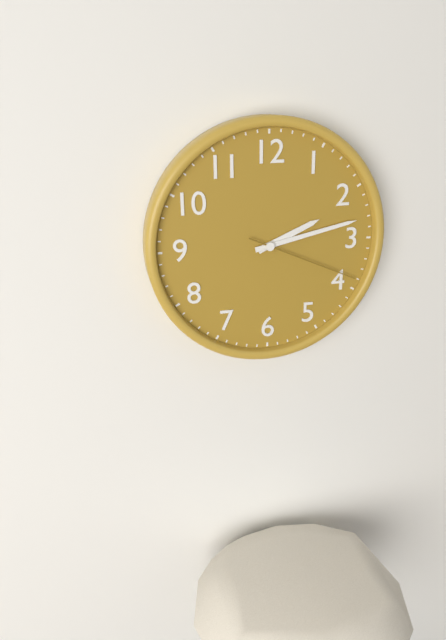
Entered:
2 h 13 min 19 s
